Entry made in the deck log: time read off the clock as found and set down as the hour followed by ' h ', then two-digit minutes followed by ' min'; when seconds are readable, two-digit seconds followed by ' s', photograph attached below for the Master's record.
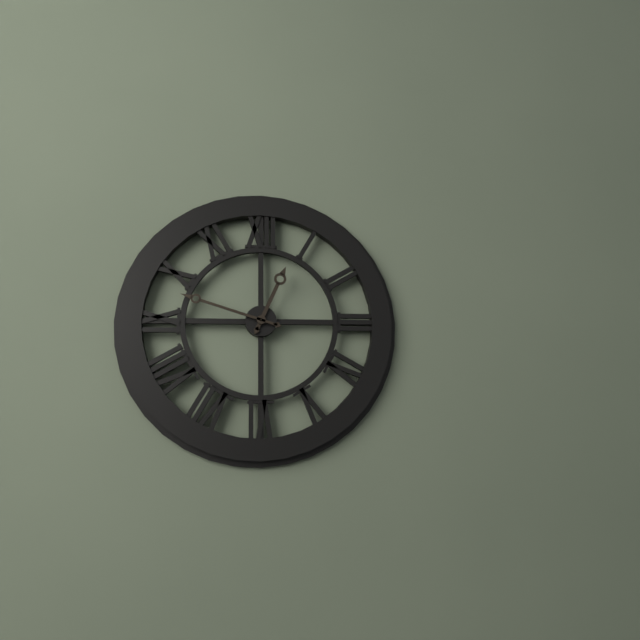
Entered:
12 h 48 min
